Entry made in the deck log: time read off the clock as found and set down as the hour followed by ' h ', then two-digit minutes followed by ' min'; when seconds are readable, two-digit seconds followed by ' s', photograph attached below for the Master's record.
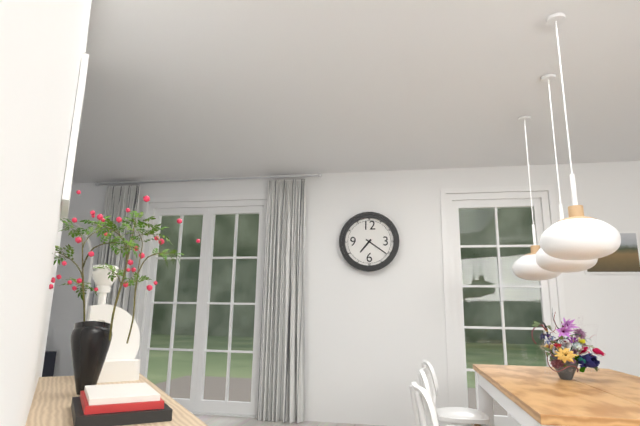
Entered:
7 h 21 min
